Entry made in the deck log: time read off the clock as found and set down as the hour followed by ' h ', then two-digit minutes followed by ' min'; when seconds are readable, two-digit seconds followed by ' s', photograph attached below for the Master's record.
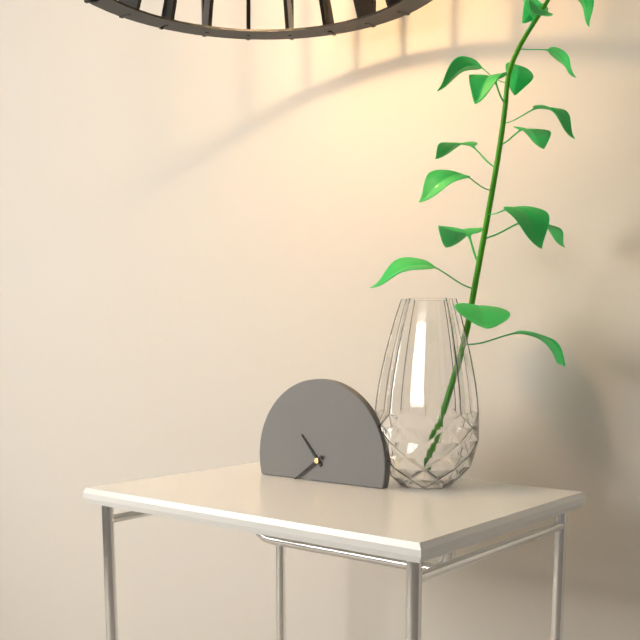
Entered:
10 h 39 min
